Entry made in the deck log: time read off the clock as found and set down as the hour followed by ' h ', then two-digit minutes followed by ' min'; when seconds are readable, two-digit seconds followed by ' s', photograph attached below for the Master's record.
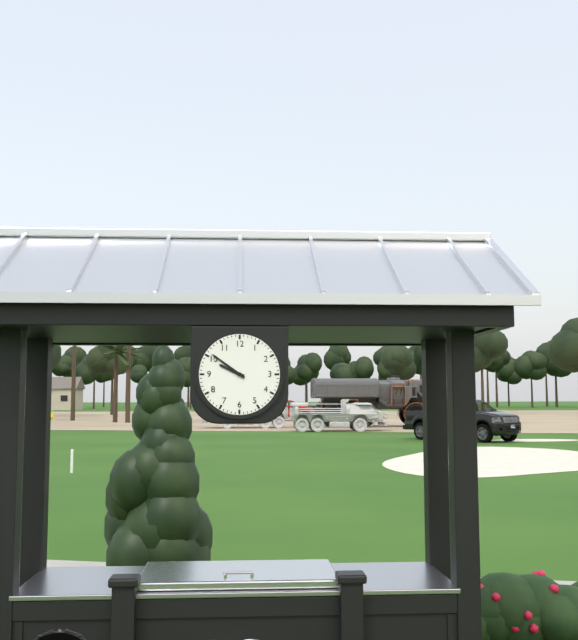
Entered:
9 h 51 min
